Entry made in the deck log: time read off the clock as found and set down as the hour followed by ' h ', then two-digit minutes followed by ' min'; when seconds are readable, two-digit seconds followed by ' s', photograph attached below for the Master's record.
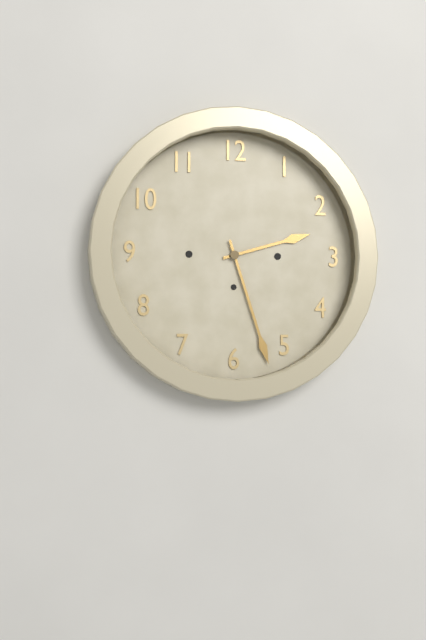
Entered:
2 h 27 min
